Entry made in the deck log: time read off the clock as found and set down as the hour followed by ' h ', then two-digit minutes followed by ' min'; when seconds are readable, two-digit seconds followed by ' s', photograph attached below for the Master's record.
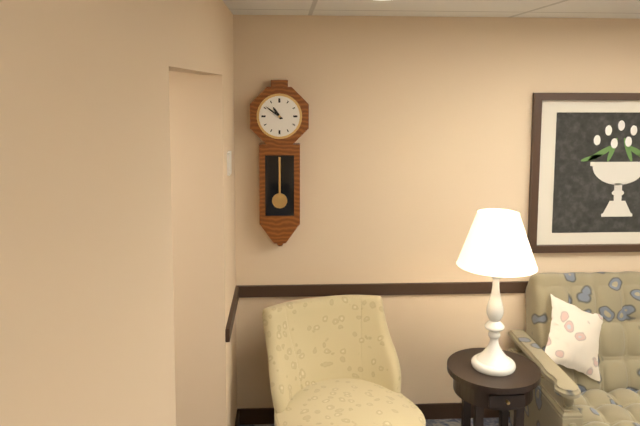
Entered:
10 h 51 min
